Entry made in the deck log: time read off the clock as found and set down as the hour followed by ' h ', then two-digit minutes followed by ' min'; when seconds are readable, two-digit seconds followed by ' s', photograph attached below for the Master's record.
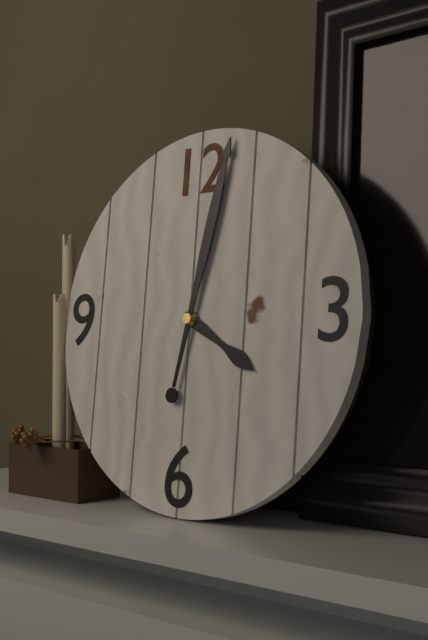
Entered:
4 h 02 min
